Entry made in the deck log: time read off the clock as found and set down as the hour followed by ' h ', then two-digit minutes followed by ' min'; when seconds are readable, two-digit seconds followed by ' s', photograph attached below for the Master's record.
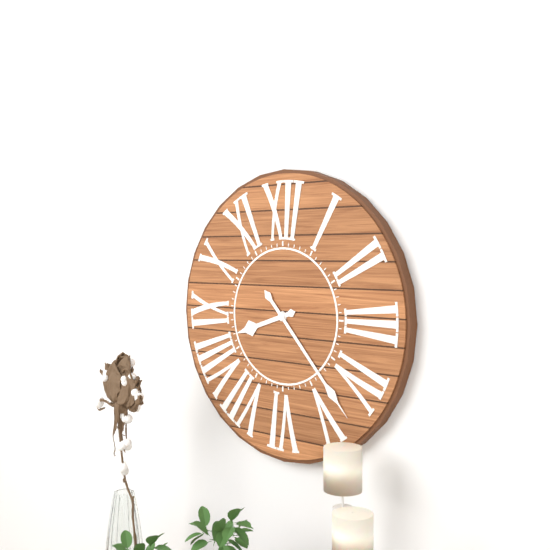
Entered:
8 h 23 min
